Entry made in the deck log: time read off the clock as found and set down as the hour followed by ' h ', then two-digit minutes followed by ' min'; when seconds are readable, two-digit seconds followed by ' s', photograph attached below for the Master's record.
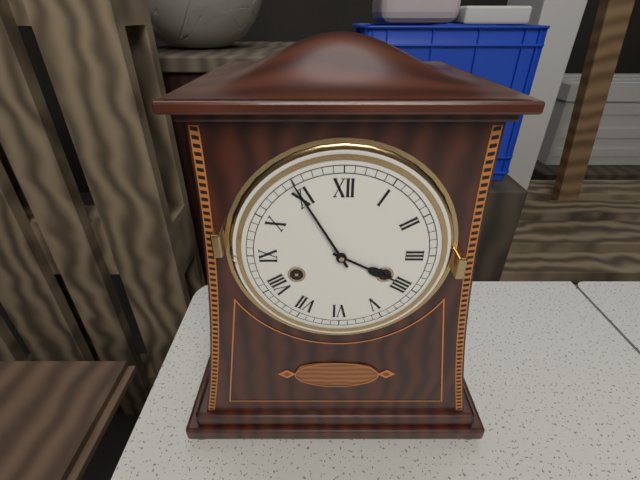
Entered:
3 h 55 min
